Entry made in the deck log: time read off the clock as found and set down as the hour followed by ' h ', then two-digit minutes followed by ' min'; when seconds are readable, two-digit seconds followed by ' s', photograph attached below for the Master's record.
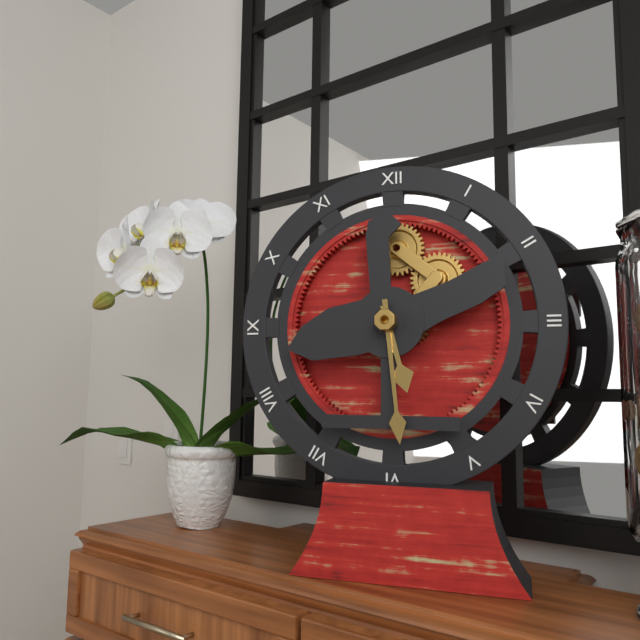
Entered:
5 h 29 min
